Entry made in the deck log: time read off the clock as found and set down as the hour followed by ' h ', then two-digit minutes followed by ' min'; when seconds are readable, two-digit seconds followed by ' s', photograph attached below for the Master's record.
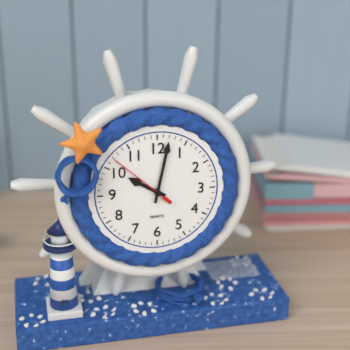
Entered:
10 h 02 min 52 s
